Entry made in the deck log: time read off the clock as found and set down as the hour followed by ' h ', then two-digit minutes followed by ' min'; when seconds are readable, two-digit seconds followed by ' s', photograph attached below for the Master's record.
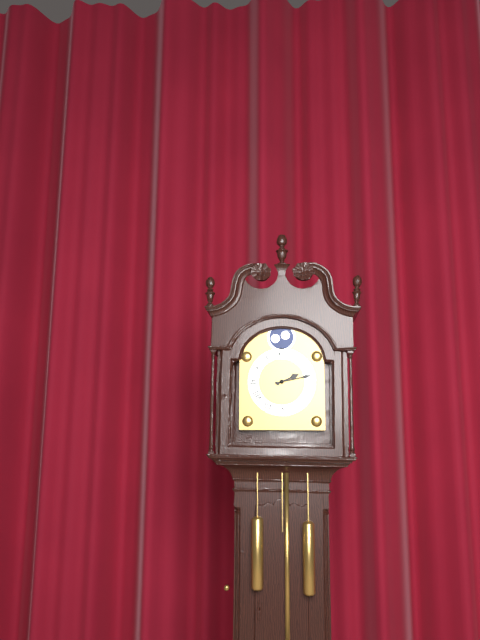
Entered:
2 h 13 min
